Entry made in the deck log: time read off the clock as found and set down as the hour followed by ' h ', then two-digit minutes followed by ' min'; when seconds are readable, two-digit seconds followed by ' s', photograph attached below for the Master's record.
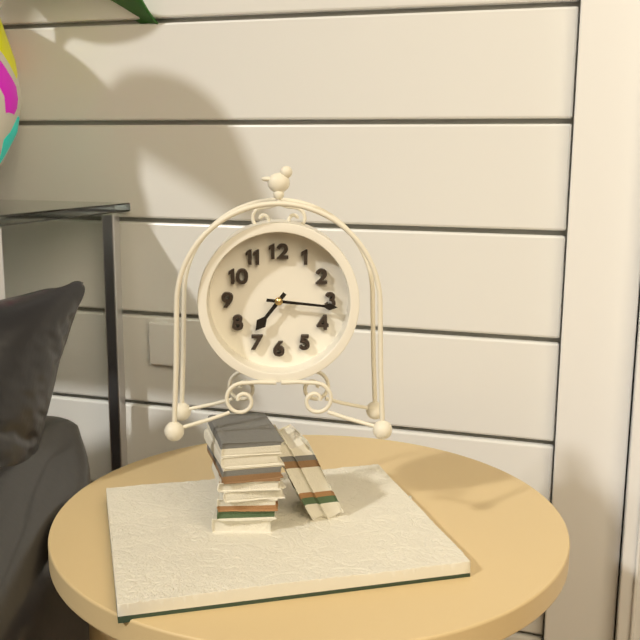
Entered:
7 h 16 min
